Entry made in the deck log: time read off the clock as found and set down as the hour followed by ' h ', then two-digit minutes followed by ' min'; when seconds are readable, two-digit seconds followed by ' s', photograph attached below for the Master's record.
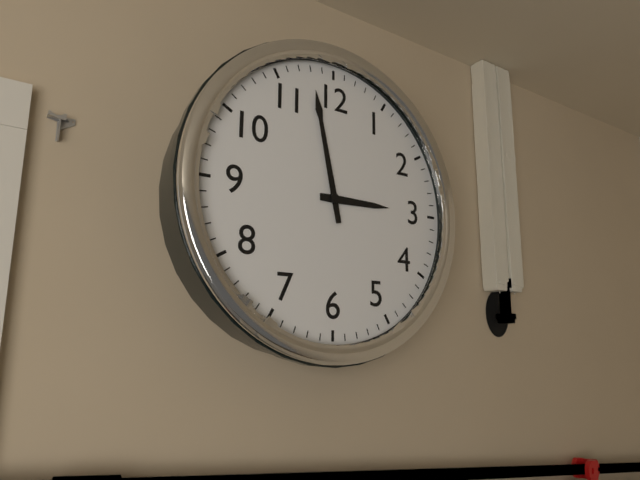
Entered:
2 h 58 min
